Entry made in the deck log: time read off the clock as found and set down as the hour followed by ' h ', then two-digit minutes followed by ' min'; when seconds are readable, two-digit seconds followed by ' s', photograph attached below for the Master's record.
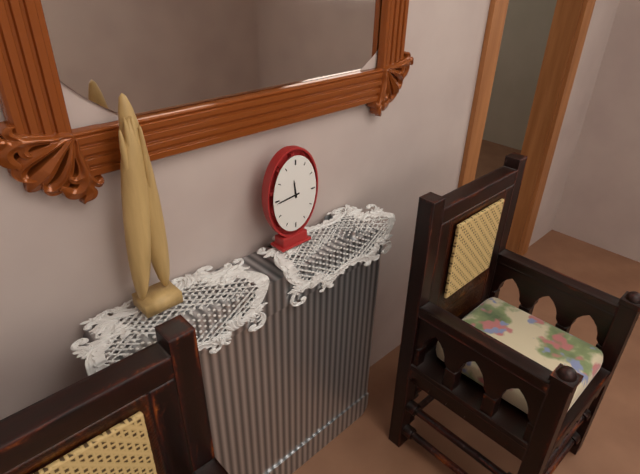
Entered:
11 h 44 min
